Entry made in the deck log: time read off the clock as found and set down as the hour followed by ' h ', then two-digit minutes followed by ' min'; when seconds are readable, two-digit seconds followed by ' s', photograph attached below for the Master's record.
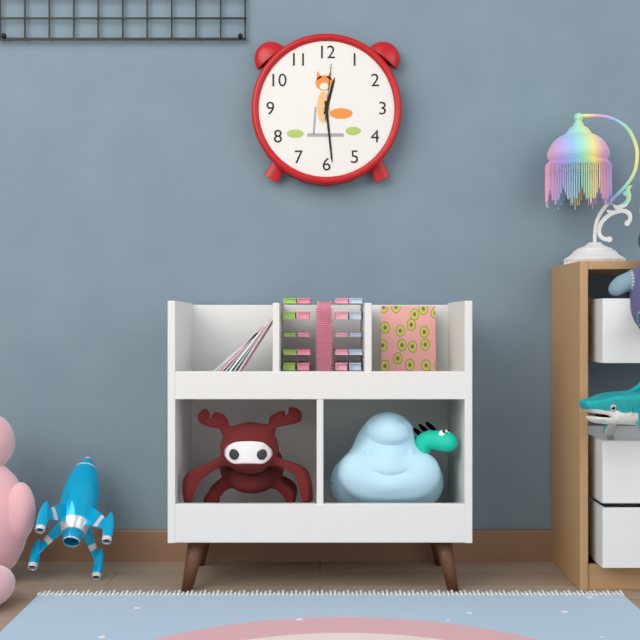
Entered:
12 h 29 min 01 s
